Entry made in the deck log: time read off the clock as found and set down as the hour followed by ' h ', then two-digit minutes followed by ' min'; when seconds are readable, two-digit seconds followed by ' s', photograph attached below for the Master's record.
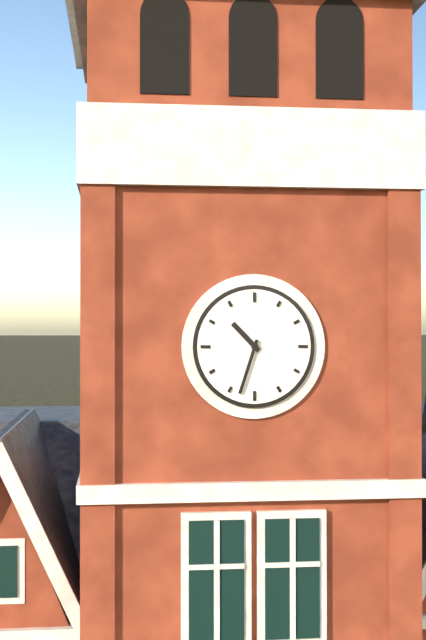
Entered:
10 h 33 min
